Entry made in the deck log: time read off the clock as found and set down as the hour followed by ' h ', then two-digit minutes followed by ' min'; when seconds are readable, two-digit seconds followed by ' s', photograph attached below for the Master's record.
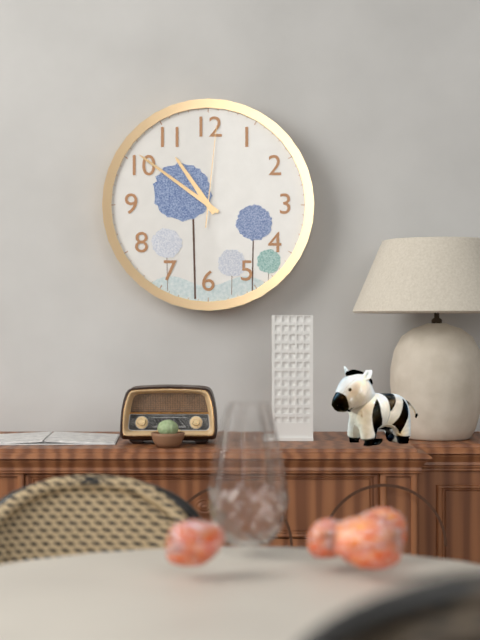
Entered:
10 h 51 min 01 s
